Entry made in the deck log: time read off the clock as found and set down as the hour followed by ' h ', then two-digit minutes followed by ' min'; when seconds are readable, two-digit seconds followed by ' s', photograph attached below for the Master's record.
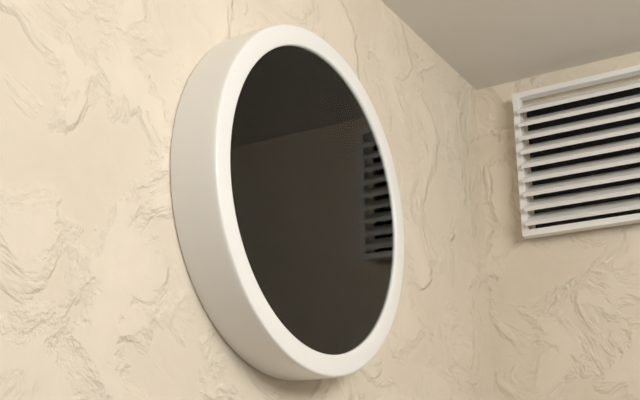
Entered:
2 h 48 min 25 s
